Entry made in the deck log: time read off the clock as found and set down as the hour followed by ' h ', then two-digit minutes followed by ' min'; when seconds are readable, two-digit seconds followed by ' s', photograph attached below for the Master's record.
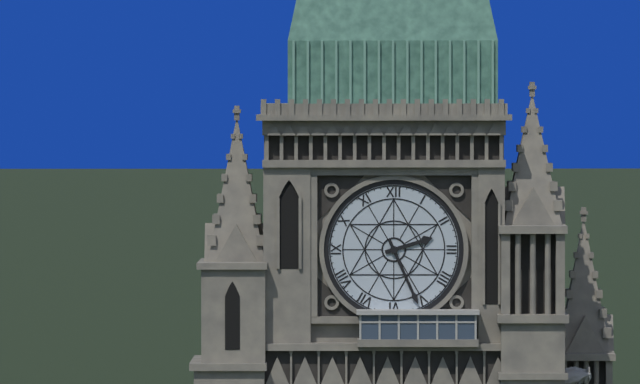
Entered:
2 h 26 min
